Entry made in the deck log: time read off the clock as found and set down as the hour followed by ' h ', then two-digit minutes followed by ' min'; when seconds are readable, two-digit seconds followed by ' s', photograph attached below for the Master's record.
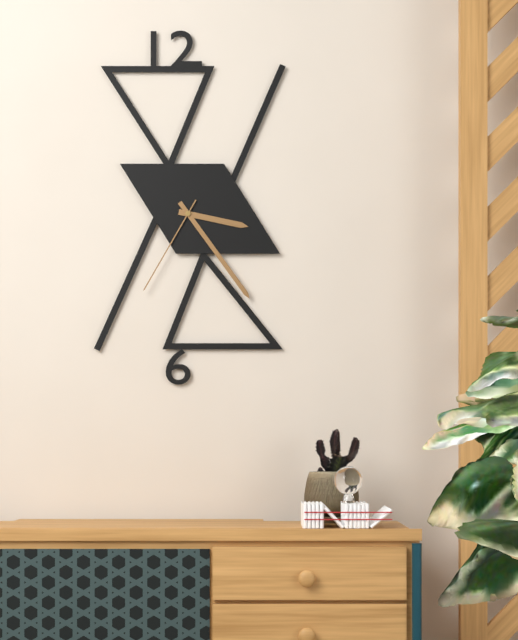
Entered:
3 h 24 min 35 s
